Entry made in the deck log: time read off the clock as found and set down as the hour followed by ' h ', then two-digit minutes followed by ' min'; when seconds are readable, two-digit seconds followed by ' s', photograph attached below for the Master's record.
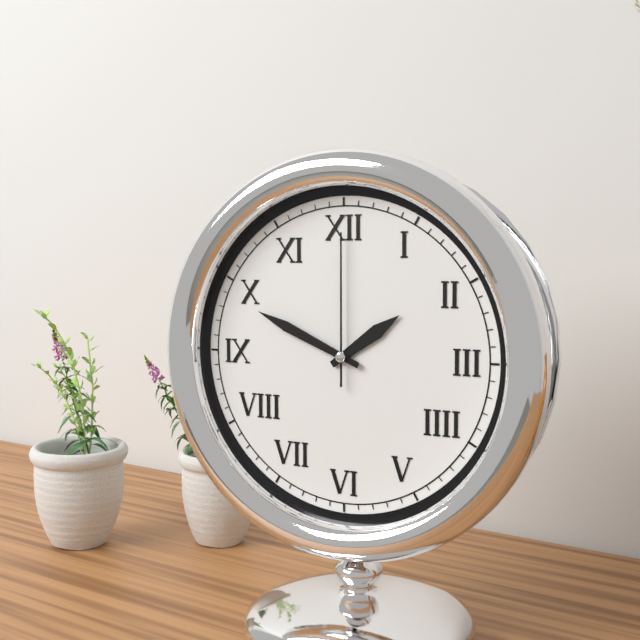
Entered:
1 h 49 min 00 s
